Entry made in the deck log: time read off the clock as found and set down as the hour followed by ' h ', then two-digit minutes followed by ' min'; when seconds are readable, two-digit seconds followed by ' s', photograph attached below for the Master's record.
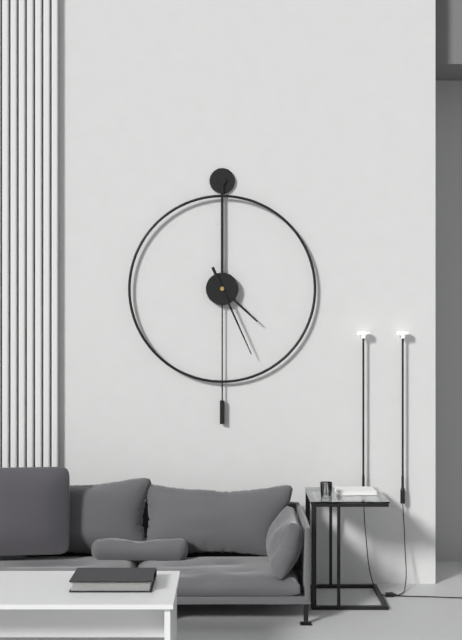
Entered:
4 h 26 min
